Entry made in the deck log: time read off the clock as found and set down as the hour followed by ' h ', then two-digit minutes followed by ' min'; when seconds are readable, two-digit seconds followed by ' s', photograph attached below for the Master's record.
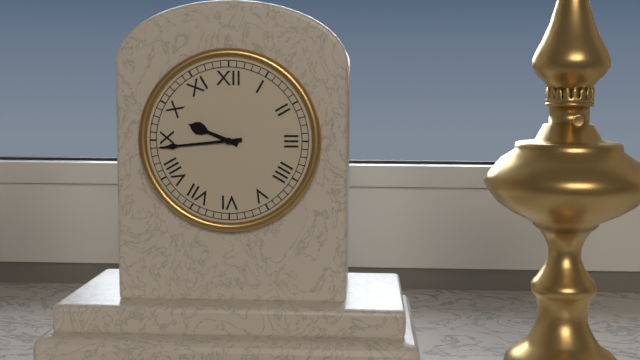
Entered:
9 h 44 min
